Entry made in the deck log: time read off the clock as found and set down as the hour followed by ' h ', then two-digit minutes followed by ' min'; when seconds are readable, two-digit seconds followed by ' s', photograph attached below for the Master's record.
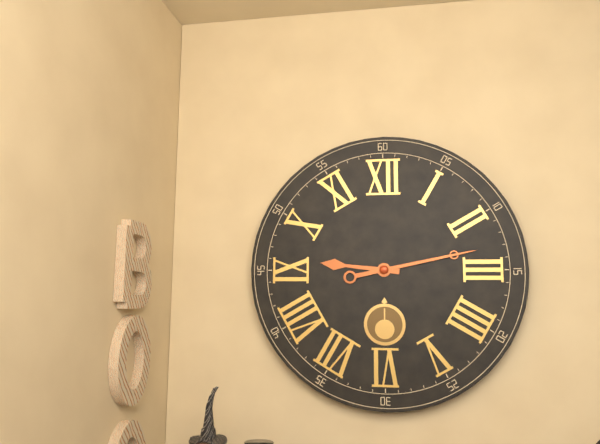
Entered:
9 h 13 min
